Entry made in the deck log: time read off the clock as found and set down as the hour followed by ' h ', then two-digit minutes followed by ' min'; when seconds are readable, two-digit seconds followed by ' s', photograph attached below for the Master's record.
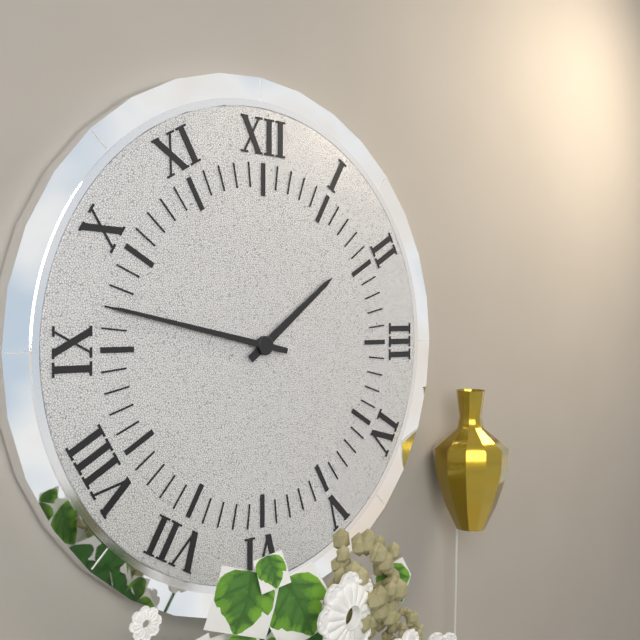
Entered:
1 h 47 min
